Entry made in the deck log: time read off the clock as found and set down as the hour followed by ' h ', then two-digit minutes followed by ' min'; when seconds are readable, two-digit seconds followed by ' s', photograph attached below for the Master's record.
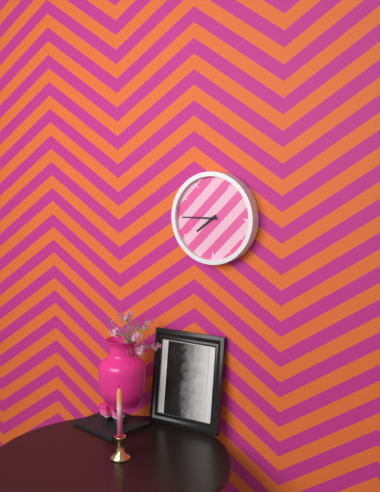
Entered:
7 h 45 min
